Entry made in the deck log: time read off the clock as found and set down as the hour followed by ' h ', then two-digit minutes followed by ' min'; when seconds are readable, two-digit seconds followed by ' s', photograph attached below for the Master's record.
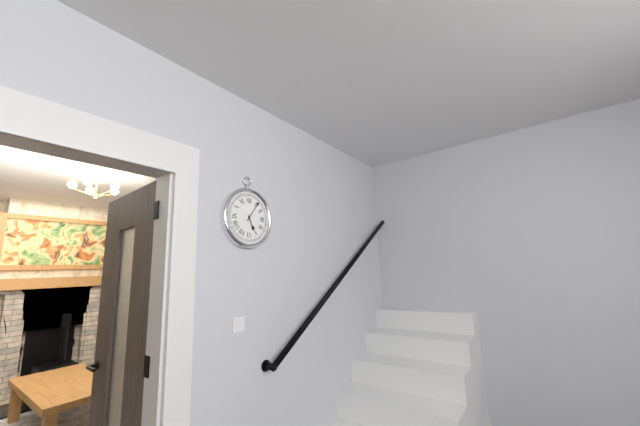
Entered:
5 h 06 min
